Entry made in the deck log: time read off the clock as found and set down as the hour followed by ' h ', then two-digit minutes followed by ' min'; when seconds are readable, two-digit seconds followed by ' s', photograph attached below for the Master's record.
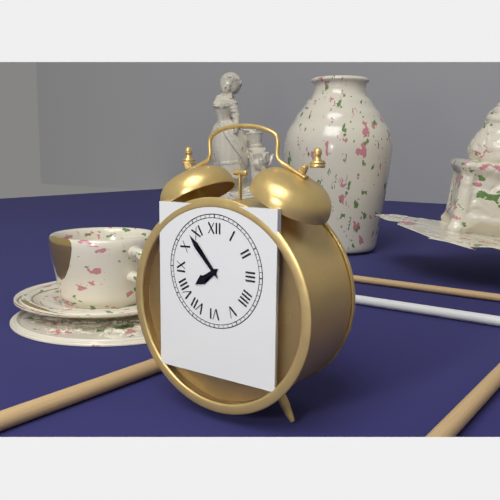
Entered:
7 h 53 min
